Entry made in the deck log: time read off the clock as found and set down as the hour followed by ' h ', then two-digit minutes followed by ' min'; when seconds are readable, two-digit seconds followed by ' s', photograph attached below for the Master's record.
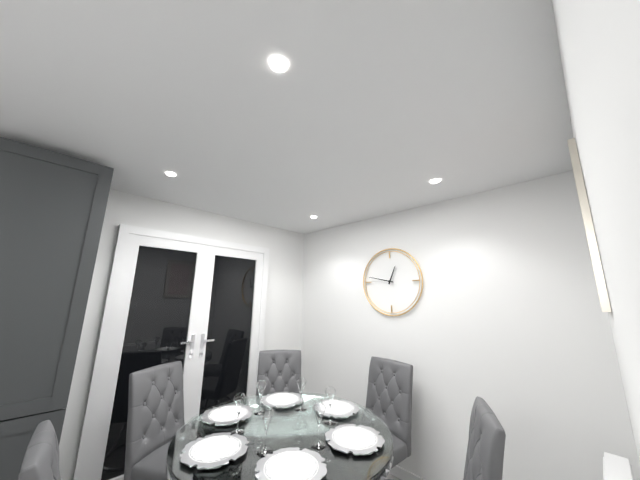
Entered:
12 h 47 min
